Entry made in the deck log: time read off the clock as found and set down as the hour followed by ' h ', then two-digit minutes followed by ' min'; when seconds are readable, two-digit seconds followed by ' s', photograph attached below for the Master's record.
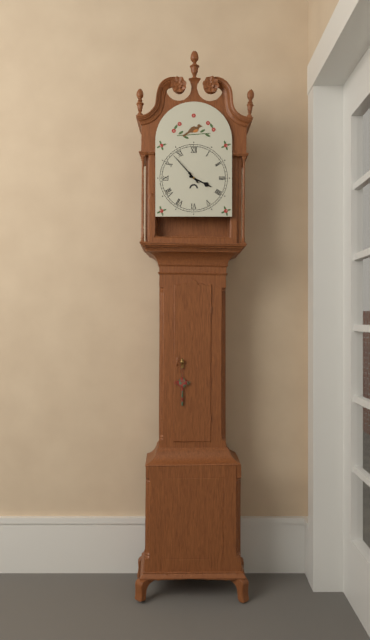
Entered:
3 h 53 min
